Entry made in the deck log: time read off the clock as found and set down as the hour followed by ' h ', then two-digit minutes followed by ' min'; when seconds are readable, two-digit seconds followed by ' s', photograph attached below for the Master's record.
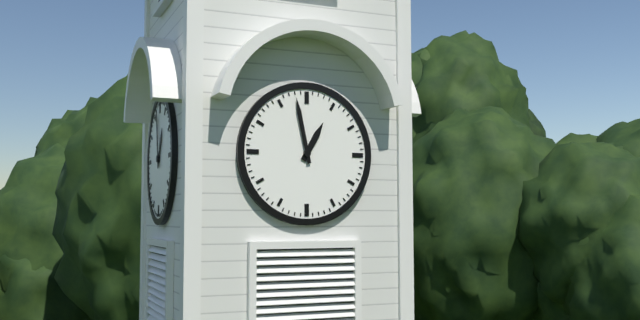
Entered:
12 h 58 min
